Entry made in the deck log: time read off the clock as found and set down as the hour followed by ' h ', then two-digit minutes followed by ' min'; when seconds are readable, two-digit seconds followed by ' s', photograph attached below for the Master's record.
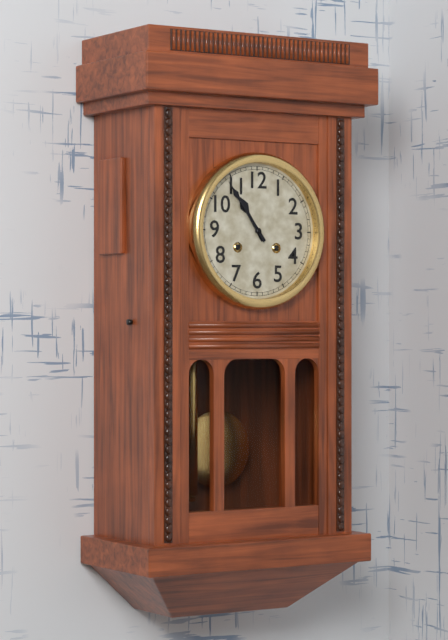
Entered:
10 h 54 min
